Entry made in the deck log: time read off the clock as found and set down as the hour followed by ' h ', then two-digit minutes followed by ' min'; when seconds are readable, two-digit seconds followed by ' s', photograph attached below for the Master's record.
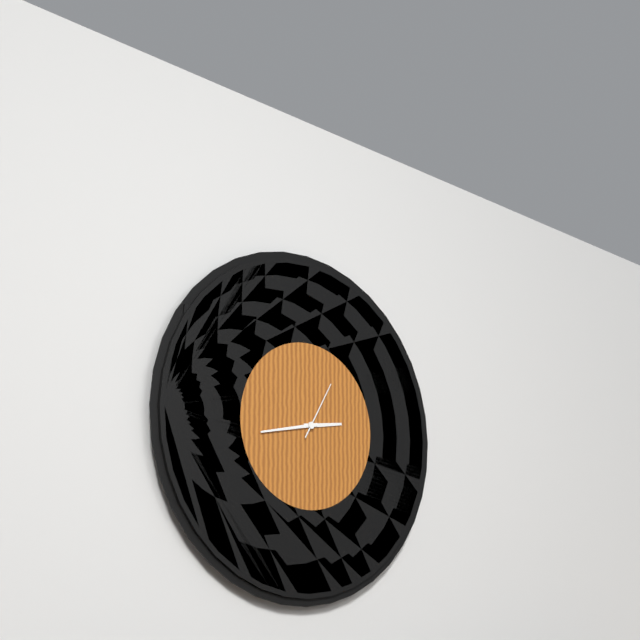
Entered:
2 h 43 min 05 s
